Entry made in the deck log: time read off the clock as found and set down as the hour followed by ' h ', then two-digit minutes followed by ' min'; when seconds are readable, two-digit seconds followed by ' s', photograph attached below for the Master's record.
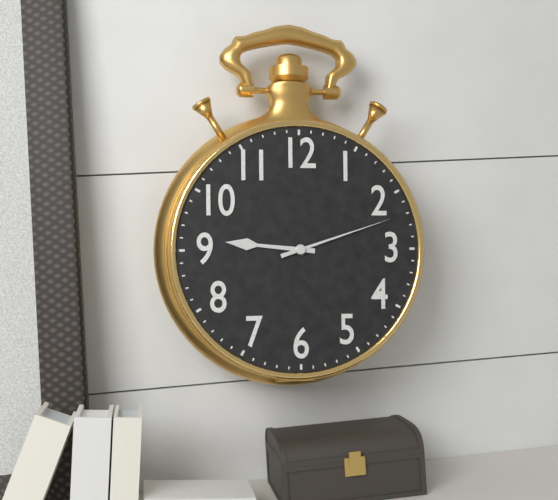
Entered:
9 h 12 min
